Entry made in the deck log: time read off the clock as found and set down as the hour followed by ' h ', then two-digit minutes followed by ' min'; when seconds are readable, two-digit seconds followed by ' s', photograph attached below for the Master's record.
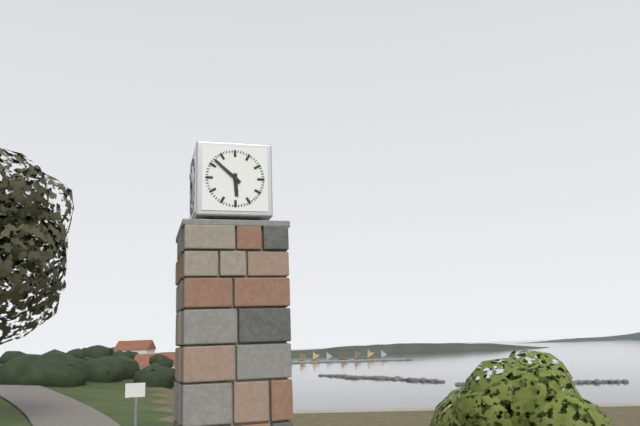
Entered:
5 h 52 min
